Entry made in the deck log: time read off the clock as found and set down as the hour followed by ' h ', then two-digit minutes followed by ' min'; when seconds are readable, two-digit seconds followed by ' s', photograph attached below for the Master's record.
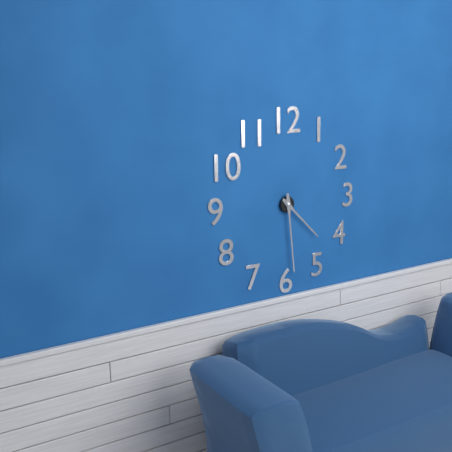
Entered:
4 h 29 min
